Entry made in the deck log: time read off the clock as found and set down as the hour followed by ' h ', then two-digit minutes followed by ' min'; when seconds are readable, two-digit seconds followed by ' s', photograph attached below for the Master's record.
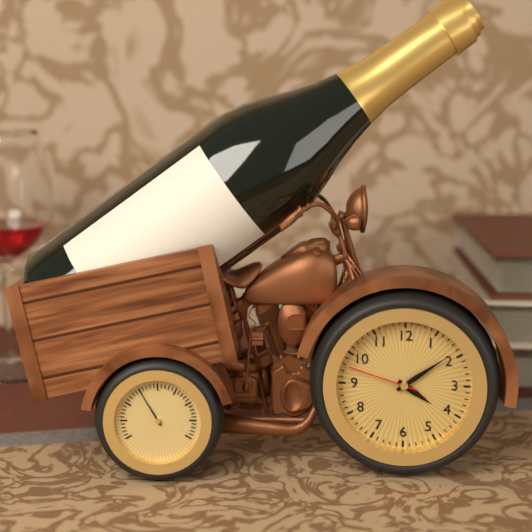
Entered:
4 h 09 min 48 s
